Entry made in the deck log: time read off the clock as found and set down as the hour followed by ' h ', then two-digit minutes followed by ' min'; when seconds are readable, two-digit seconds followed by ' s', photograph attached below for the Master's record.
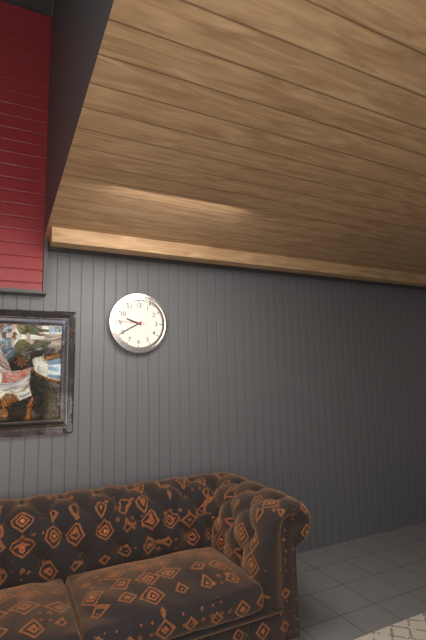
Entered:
9 h 40 min
